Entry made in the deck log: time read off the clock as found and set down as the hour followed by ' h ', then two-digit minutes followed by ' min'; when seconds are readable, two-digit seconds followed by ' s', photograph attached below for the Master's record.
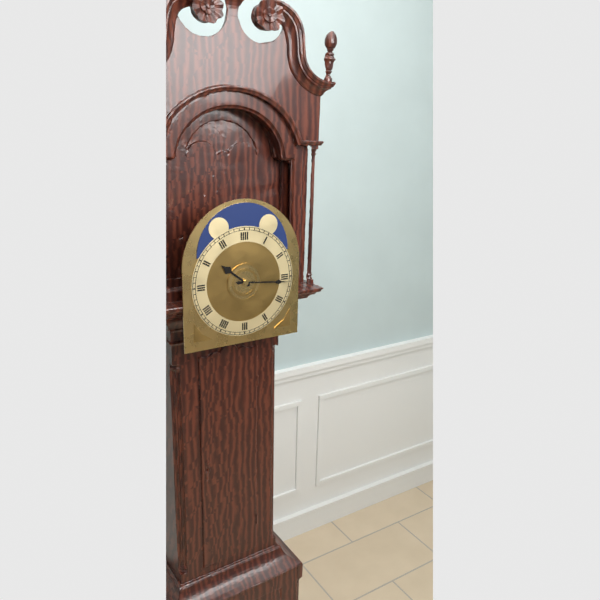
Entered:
10 h 16 min
